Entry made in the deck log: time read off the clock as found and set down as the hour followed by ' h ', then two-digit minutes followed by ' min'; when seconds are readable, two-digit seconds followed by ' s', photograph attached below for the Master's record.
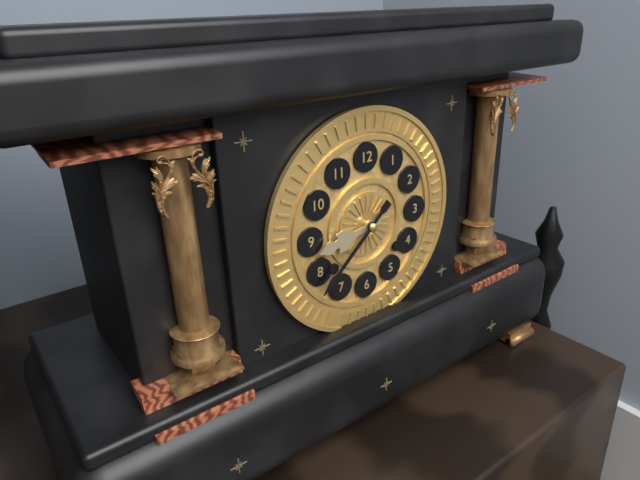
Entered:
8 h 38 min
